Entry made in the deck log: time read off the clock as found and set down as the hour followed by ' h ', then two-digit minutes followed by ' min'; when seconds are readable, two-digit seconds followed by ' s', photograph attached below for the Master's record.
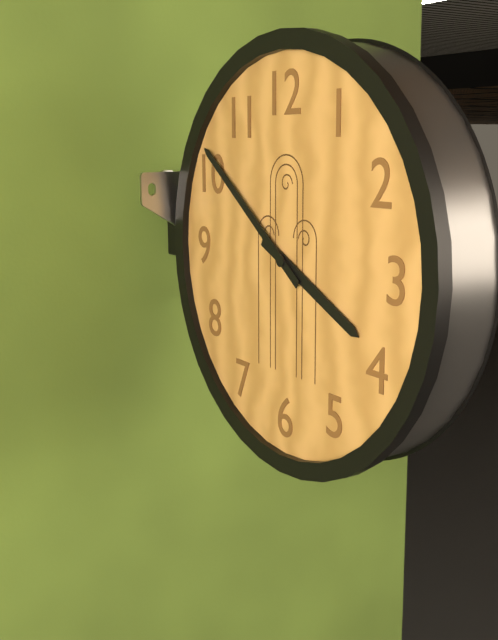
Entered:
3 h 51 min
